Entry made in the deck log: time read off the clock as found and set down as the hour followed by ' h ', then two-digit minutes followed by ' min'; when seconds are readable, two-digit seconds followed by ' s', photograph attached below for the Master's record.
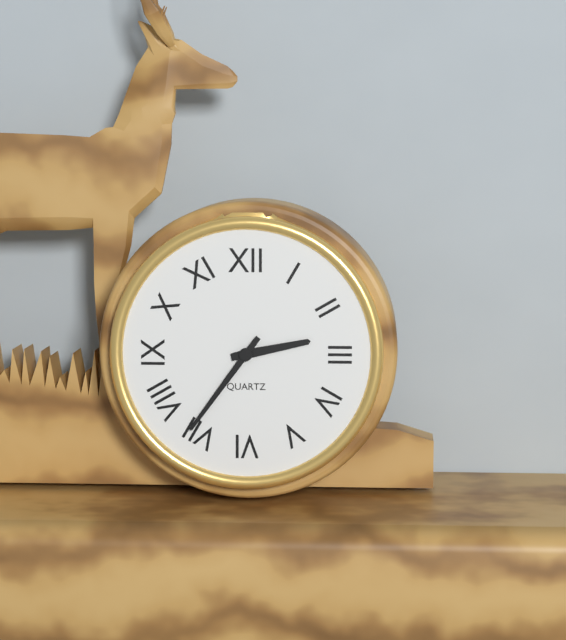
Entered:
2 h 36 min
